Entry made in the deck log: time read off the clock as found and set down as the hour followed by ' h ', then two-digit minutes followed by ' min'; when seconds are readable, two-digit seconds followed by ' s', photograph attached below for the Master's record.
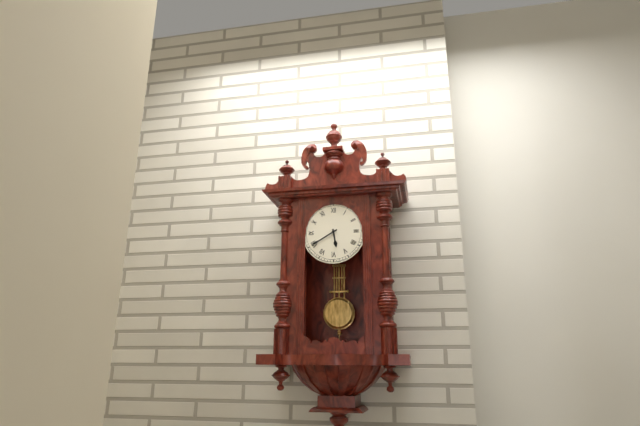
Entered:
5 h 40 min
